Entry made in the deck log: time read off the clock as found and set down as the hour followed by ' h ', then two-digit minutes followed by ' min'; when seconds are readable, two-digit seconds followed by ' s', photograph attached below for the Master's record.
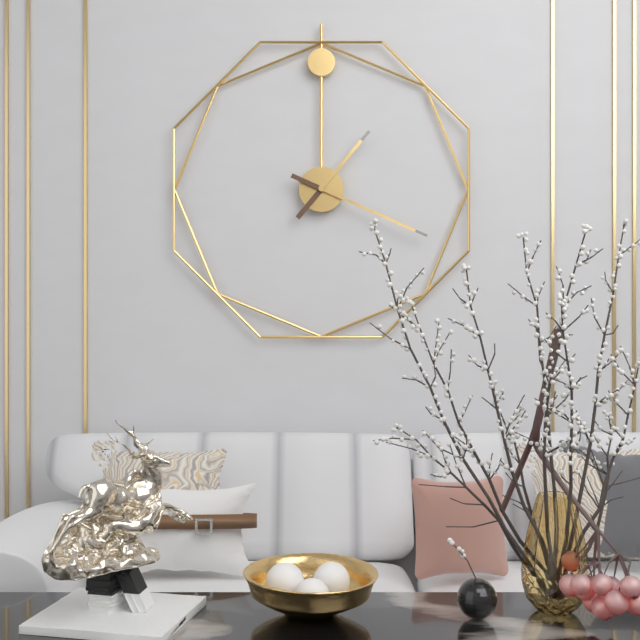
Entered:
1 h 19 min
